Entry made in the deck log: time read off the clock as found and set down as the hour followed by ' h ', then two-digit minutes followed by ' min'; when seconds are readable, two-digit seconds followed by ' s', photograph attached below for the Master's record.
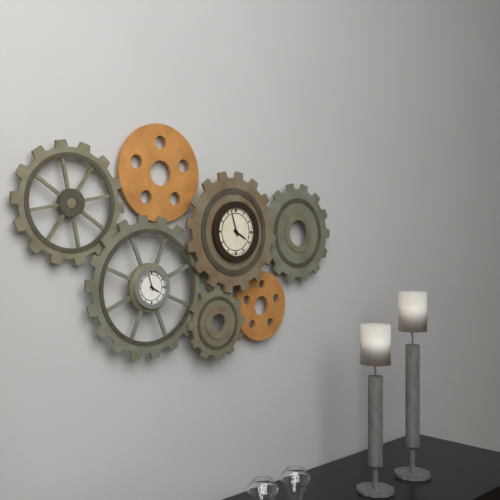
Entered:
3 h 57 min
